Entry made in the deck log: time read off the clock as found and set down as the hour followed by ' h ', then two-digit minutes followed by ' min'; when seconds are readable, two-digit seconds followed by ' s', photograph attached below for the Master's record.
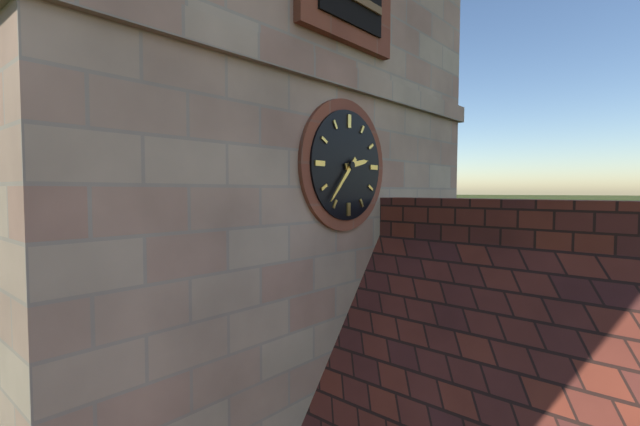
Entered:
2 h 37 min
